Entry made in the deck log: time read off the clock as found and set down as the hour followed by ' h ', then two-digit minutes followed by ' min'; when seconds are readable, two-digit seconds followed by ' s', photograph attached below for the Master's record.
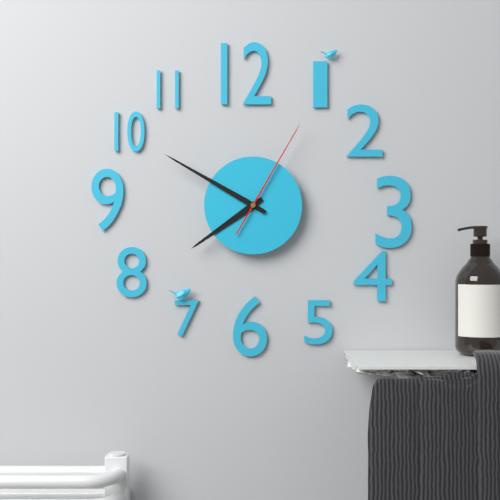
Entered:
7 h 50 min 05 s
